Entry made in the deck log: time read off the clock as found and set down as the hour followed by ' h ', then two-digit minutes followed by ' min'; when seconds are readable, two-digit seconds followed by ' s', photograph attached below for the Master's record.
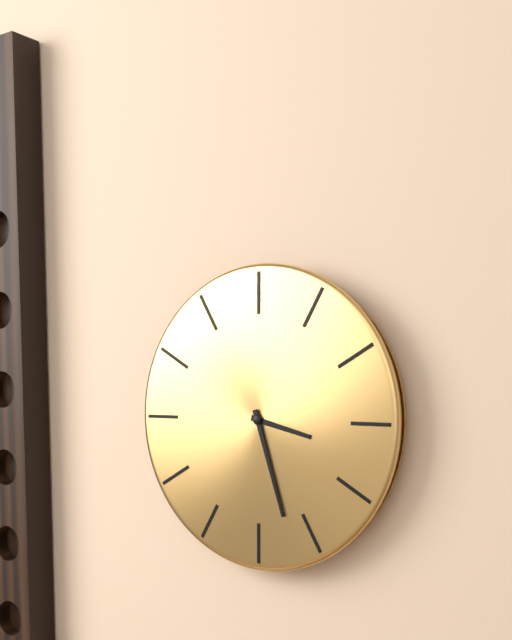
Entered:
3 h 27 min
